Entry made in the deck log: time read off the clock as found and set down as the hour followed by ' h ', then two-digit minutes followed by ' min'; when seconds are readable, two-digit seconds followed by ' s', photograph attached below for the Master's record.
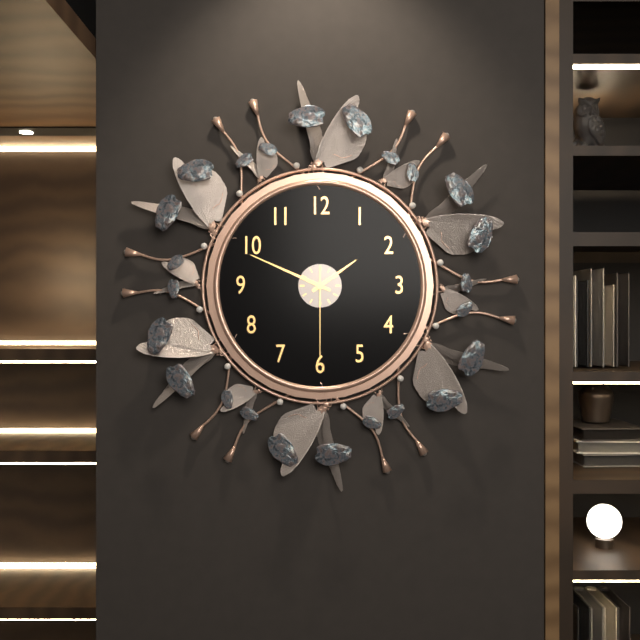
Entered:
1 h 49 min 30 s
